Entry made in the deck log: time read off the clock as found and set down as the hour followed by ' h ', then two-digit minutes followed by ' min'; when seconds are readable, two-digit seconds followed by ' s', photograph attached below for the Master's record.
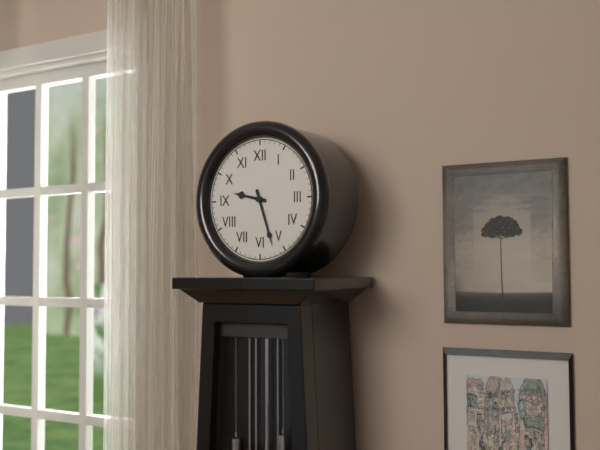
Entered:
9 h 27 min
